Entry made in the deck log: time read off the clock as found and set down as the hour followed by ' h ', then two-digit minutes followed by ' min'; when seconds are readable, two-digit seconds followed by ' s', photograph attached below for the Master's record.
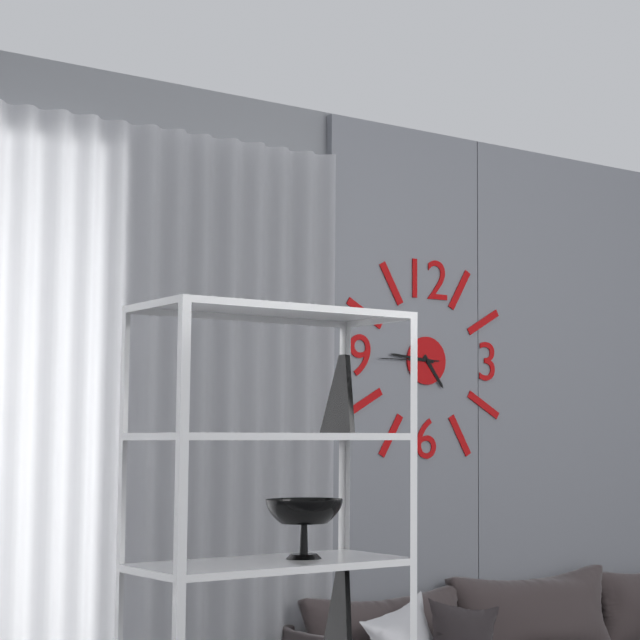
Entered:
4 h 46 min 45 s
